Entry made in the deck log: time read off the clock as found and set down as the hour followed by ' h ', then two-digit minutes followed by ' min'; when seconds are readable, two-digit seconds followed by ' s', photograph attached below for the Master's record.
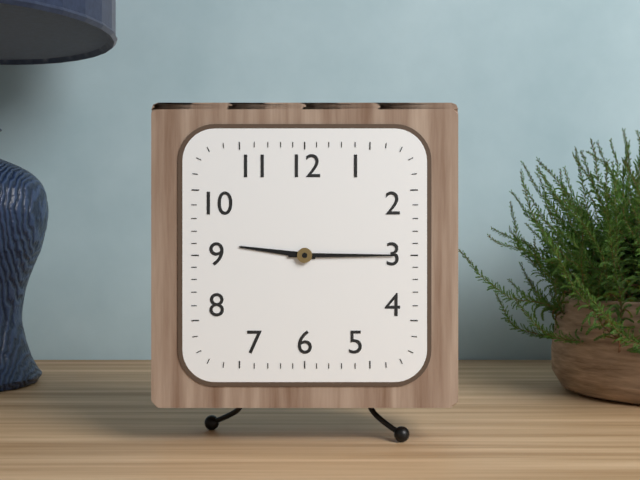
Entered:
9 h 15 min
